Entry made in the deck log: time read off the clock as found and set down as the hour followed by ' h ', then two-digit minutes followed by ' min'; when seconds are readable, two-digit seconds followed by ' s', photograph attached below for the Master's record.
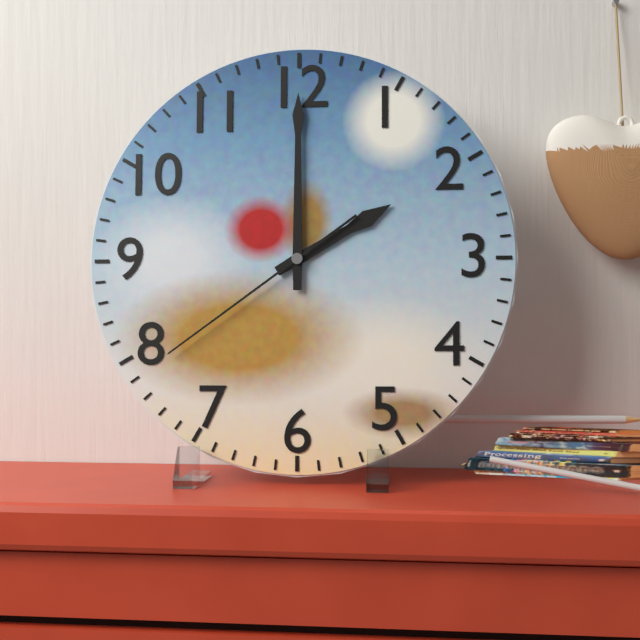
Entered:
2 h 00 min 39 s
